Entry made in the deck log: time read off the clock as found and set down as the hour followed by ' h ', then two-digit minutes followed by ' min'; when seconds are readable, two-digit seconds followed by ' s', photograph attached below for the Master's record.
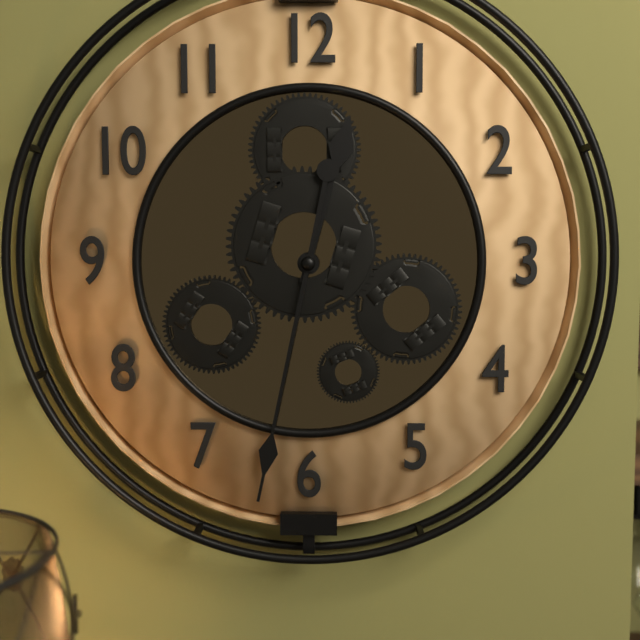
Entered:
12 h 32 min
